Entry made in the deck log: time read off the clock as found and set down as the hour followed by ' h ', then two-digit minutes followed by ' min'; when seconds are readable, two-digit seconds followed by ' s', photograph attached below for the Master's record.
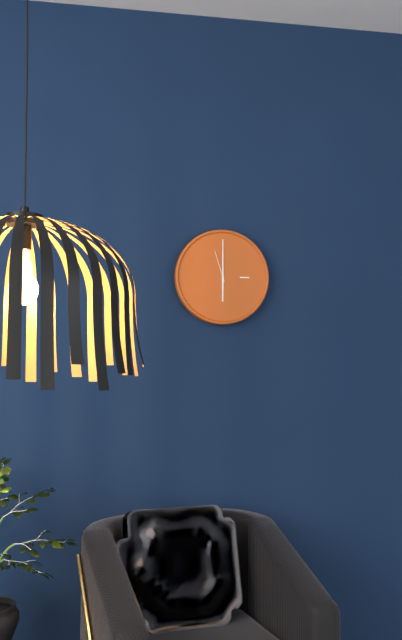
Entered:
6 h 00 min
